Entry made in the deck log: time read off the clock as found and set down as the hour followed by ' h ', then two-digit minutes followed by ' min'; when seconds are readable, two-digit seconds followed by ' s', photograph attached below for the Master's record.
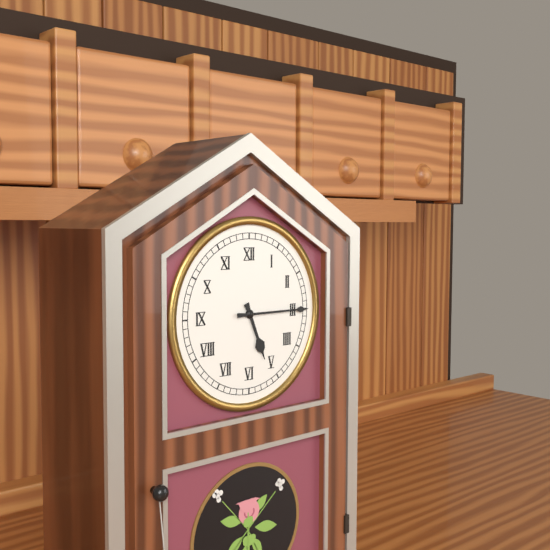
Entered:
5 h 15 min
